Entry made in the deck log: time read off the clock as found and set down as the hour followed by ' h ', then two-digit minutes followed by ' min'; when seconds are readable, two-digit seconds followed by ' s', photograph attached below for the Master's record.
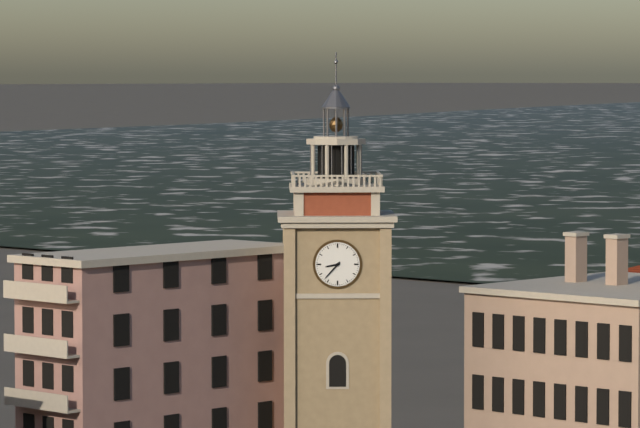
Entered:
8 h 37 min
